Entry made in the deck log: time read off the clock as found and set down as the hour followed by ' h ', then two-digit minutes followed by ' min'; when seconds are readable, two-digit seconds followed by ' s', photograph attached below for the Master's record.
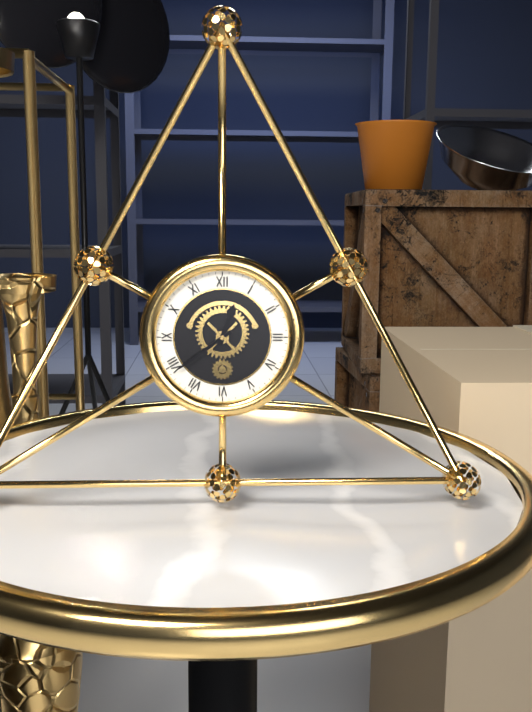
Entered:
12 h 39 min
